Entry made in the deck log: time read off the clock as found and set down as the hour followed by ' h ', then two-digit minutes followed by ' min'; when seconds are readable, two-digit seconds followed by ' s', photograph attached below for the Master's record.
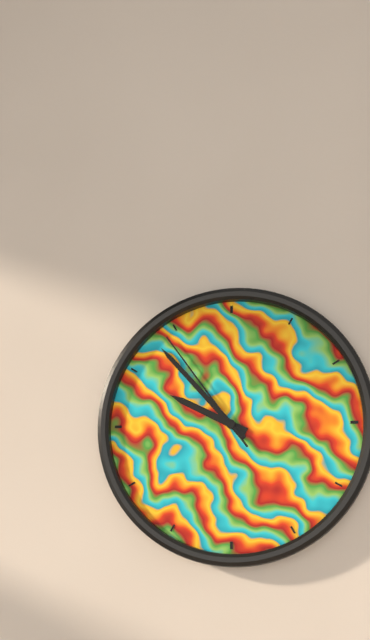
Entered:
9 h 53 min 54 s
